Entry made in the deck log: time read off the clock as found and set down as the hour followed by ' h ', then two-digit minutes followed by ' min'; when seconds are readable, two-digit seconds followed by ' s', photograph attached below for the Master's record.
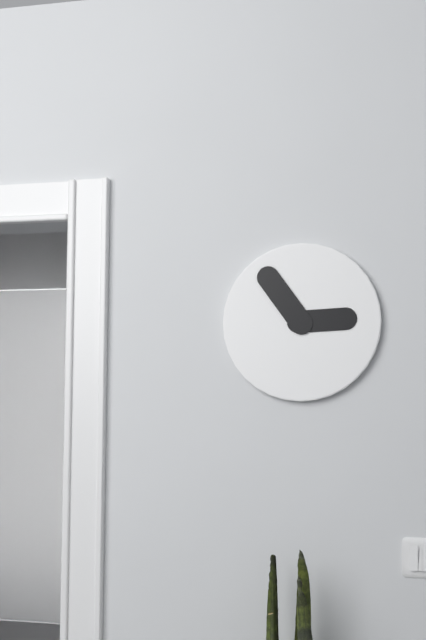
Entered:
2 h 54 min
